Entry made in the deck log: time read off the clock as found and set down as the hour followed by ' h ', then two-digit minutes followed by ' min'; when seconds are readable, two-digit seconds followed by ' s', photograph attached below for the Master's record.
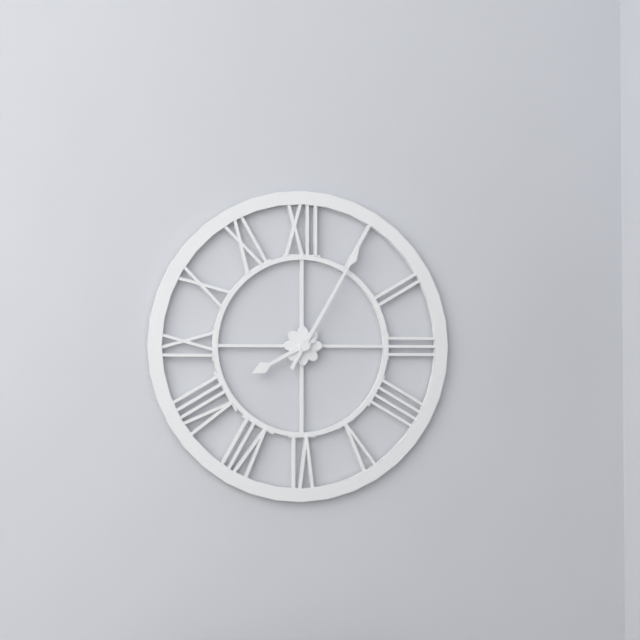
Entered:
8 h 05 min
